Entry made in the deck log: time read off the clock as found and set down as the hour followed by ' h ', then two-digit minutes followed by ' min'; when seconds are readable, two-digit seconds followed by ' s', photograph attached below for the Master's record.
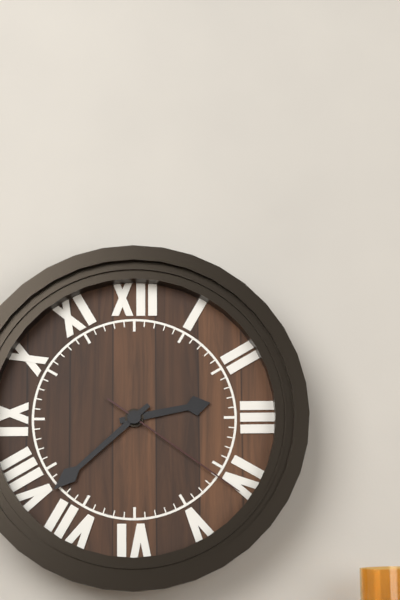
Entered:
2 h 38 min 21 s
